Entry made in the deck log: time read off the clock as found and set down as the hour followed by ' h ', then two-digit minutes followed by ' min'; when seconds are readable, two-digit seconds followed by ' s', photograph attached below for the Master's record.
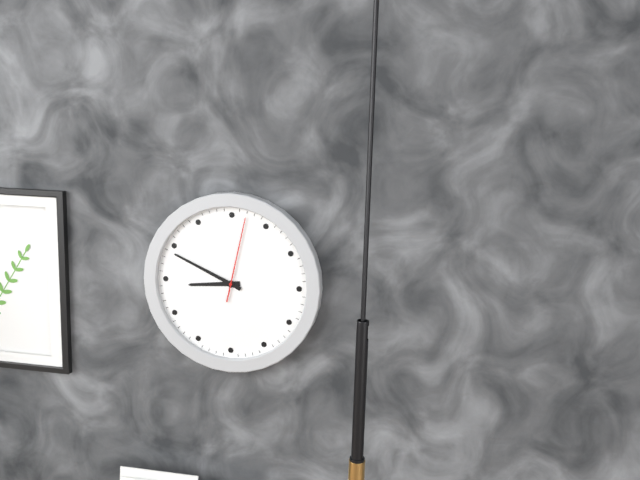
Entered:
8 h 49 min 02 s
